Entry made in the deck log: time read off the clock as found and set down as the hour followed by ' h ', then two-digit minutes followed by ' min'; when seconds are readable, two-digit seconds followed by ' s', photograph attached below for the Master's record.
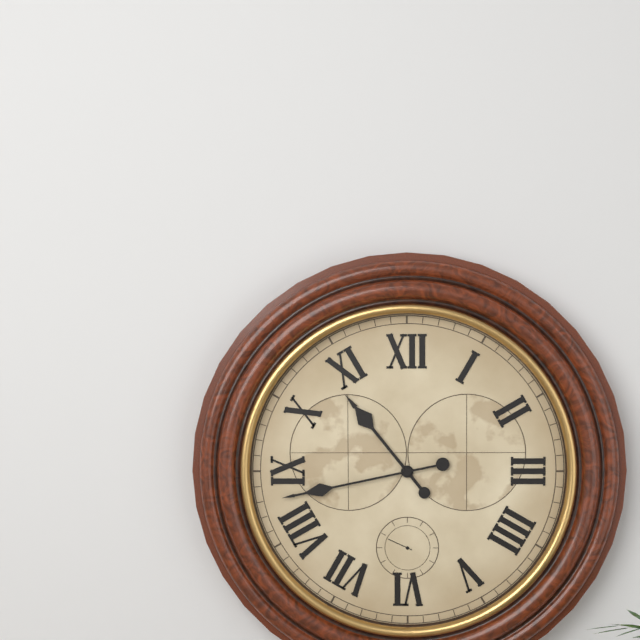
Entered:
10 h 43 min
